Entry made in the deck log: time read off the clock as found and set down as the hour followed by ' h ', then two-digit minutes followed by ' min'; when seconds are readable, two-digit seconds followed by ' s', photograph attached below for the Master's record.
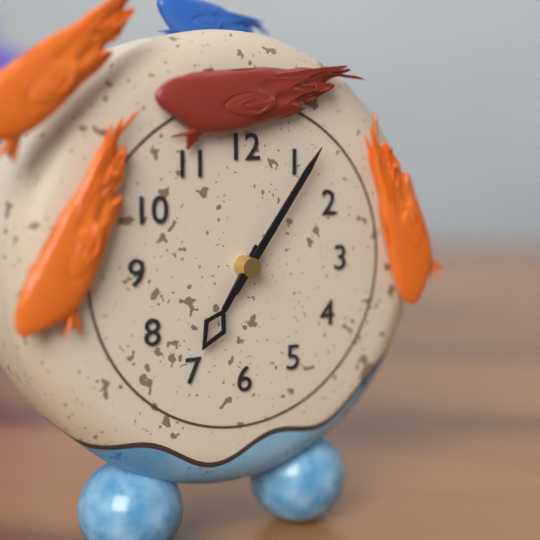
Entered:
7 h 06 min
